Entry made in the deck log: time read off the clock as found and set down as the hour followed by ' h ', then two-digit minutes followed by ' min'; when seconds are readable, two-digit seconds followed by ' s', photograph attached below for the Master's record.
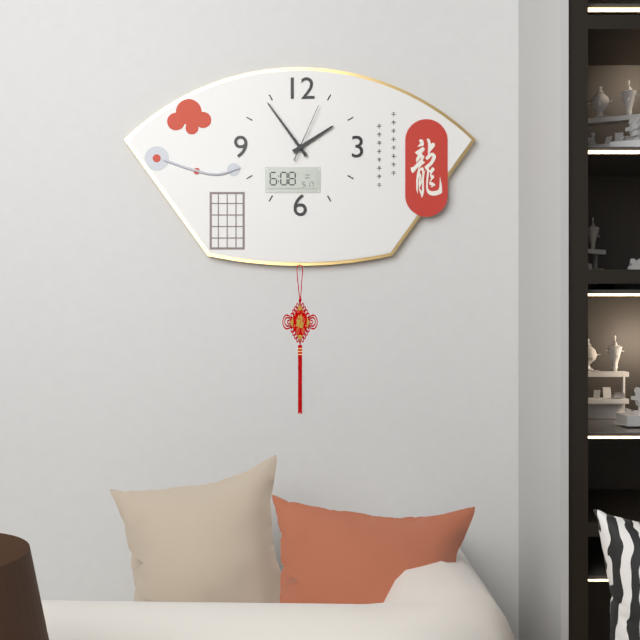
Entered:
1 h 54 min 04 s
